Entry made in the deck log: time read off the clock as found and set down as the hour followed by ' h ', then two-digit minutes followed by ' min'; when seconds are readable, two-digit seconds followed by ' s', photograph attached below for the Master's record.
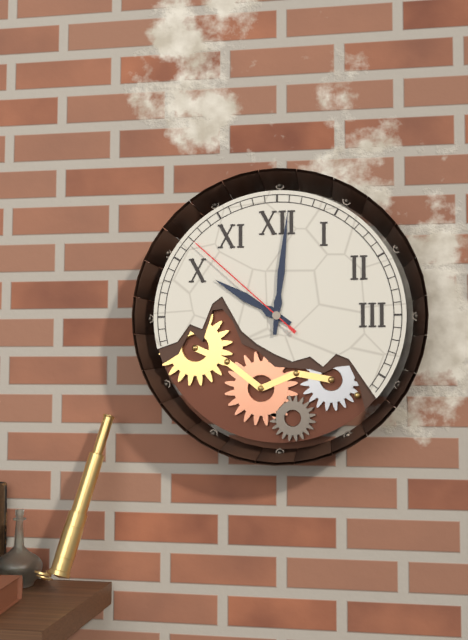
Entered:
10 h 01 min 52 s
